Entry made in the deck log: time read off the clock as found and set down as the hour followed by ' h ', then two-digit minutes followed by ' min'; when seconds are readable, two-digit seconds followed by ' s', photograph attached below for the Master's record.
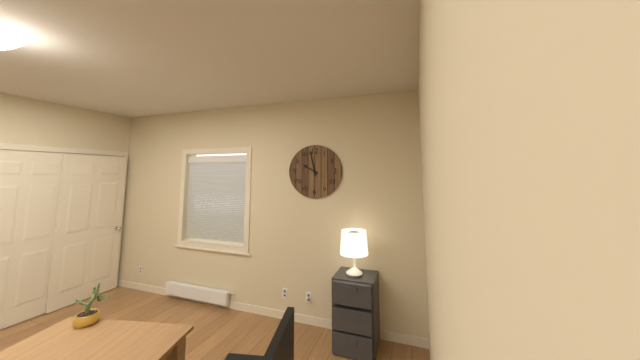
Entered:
9 h 58 min
